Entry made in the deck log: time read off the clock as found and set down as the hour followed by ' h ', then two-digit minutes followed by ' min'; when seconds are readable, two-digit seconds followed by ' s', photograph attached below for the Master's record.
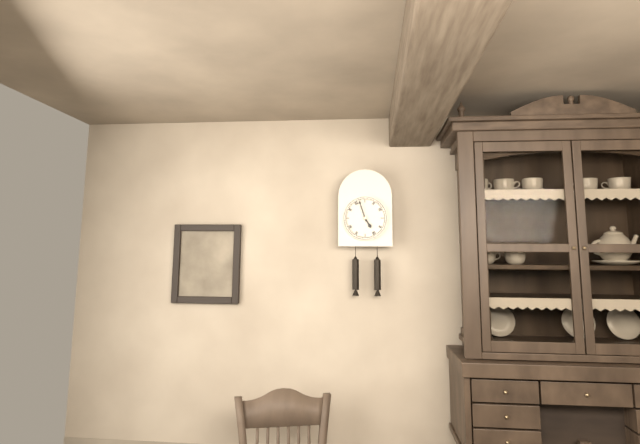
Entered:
4 h 57 min
